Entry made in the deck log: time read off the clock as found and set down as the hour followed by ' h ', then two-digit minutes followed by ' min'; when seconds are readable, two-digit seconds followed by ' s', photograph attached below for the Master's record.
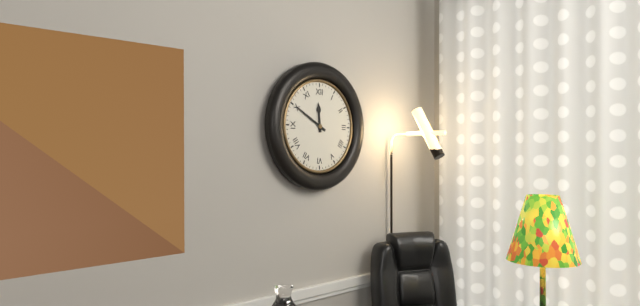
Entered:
11 h 50 min
